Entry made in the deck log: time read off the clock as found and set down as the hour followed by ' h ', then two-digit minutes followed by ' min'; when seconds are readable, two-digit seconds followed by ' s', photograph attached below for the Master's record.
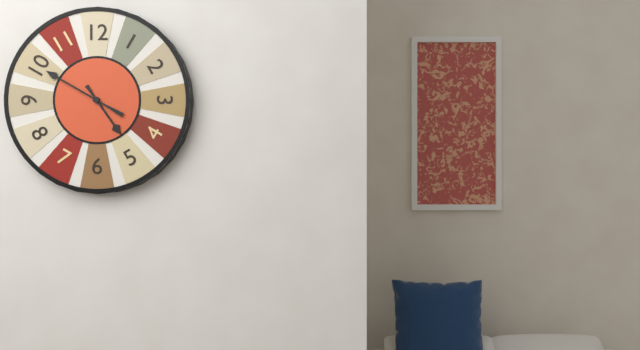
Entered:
4 h 50 min
